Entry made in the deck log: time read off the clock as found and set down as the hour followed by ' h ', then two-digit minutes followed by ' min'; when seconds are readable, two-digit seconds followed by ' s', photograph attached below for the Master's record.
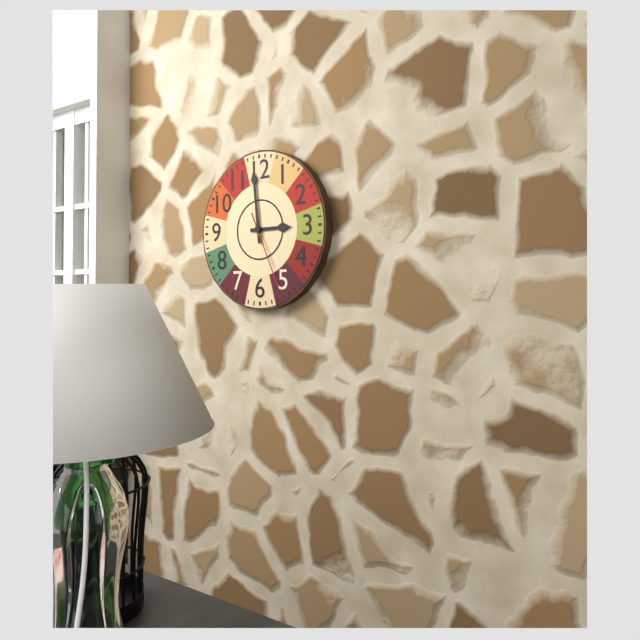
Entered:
2 h 59 min 26 s
